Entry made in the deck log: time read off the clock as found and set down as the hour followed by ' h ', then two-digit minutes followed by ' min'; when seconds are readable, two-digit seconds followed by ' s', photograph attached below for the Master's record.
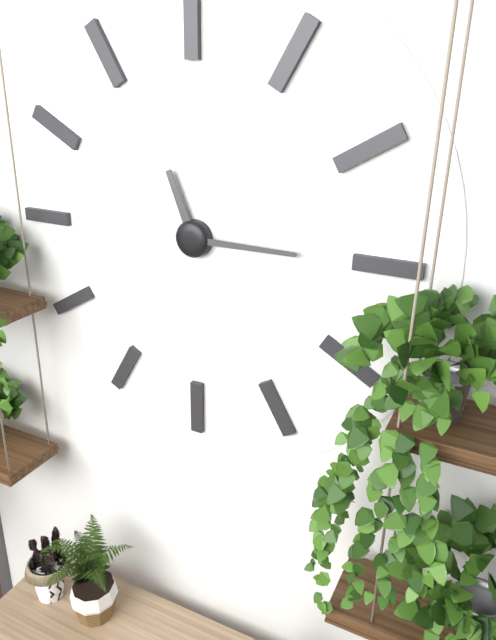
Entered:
11 h 15 min
